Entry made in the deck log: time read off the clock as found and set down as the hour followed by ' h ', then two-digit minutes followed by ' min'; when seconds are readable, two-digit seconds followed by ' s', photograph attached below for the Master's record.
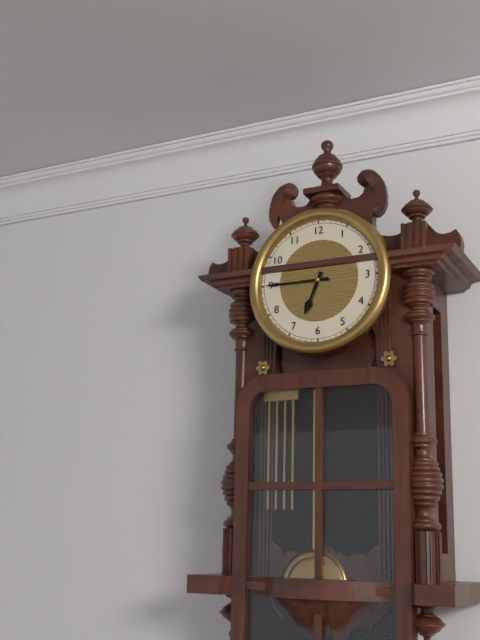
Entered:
6 h 45 min
